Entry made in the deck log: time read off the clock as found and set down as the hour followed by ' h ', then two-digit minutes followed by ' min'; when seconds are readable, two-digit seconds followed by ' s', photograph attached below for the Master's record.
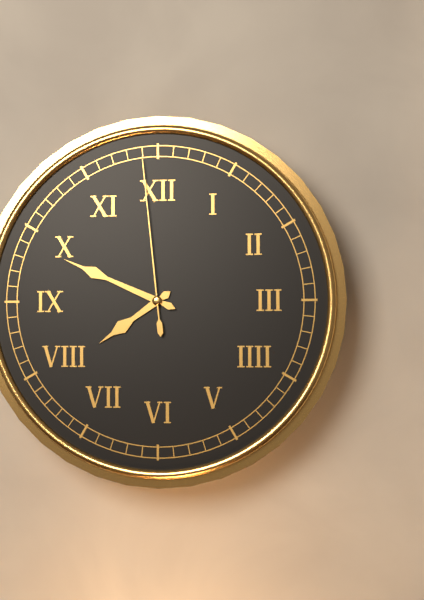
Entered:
7 h 49 min 59 s
